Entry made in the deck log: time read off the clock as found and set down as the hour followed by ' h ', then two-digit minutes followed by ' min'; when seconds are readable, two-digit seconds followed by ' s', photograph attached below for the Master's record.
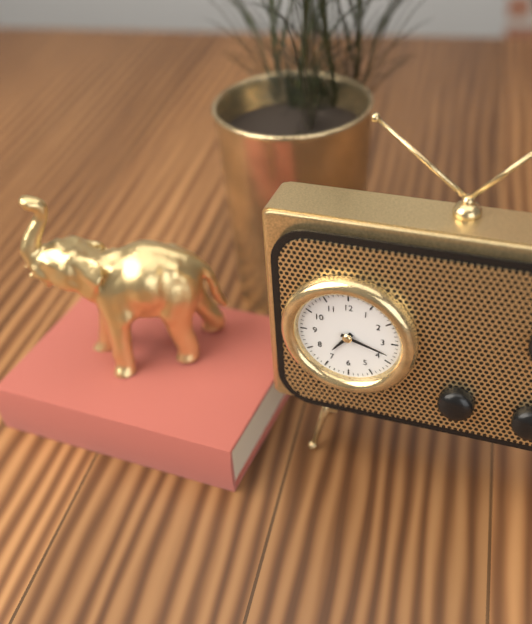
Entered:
7 h 18 min
